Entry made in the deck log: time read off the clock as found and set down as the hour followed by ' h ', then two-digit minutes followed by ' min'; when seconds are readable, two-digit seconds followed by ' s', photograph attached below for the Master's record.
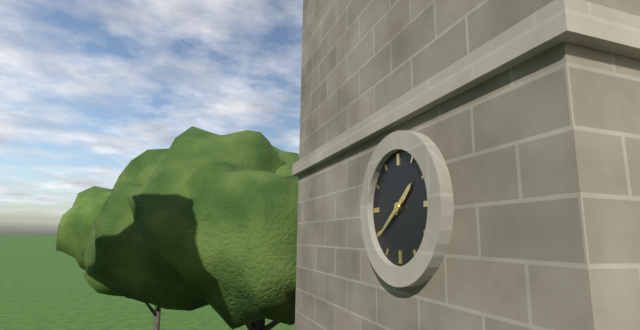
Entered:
1 h 39 min
